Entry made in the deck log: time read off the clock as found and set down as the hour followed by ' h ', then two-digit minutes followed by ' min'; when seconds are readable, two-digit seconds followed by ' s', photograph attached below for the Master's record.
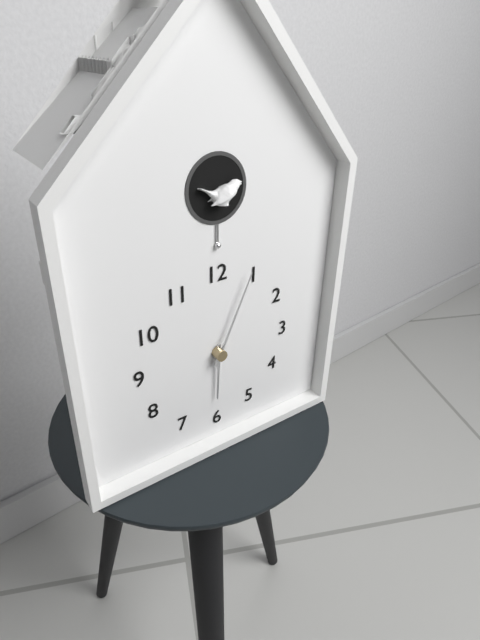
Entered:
6 h 04 min
